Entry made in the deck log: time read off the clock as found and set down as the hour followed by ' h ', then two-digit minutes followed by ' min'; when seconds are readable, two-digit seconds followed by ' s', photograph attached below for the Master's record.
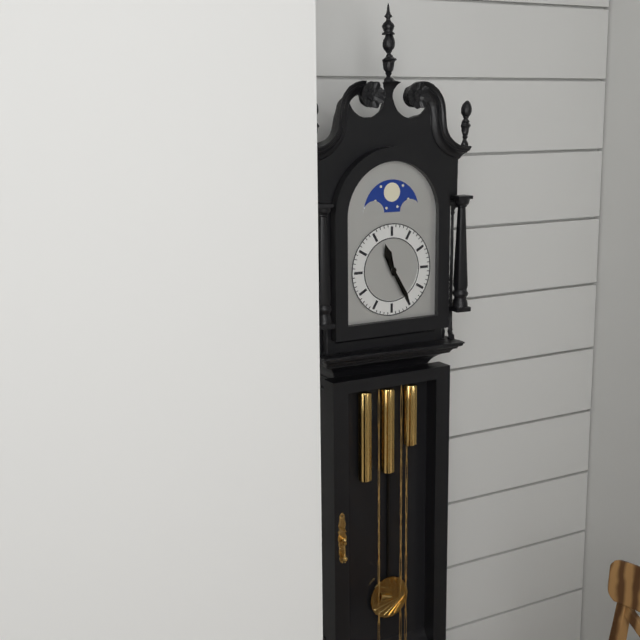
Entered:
11 h 25 min
